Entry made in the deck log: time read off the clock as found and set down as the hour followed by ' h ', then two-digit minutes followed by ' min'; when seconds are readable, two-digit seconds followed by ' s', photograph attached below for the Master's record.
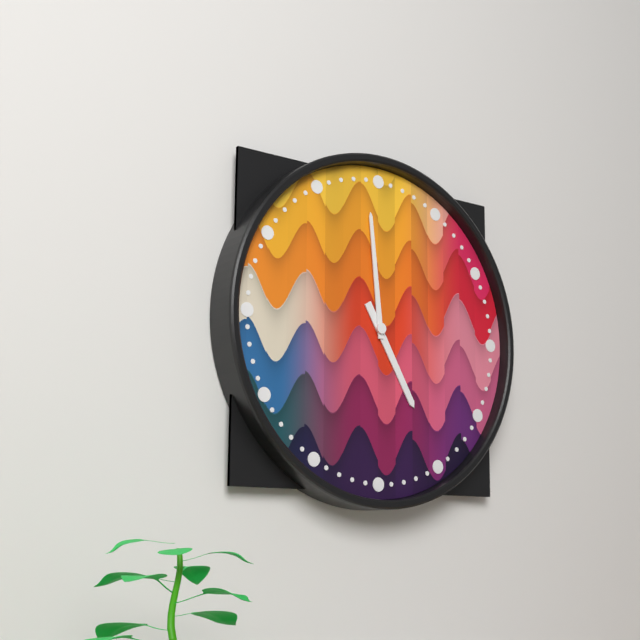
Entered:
4 h 59 min
